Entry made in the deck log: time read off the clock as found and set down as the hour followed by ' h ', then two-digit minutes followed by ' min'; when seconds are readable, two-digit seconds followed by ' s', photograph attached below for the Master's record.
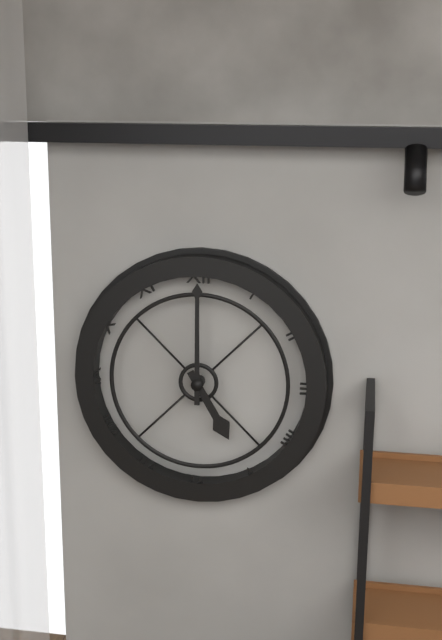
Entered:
5 h 00 min
